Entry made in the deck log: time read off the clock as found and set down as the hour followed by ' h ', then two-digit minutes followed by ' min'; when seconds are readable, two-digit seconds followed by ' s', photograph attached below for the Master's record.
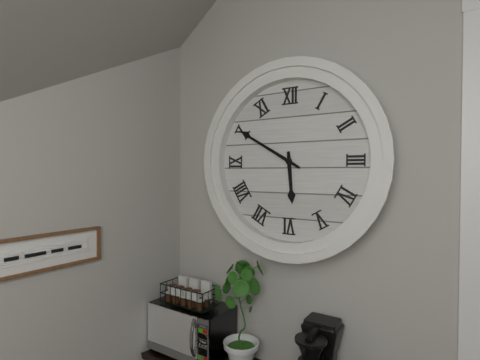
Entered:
5 h 50 min
